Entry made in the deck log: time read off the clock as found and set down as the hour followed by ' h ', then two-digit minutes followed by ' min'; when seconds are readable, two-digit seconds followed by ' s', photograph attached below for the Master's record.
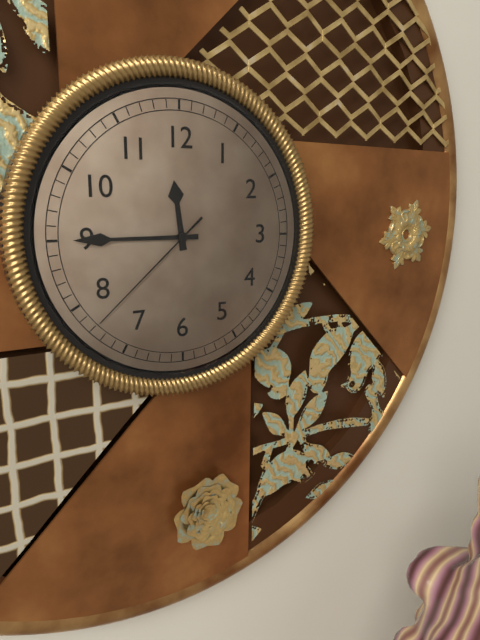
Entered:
11 h 45 min 38 s
